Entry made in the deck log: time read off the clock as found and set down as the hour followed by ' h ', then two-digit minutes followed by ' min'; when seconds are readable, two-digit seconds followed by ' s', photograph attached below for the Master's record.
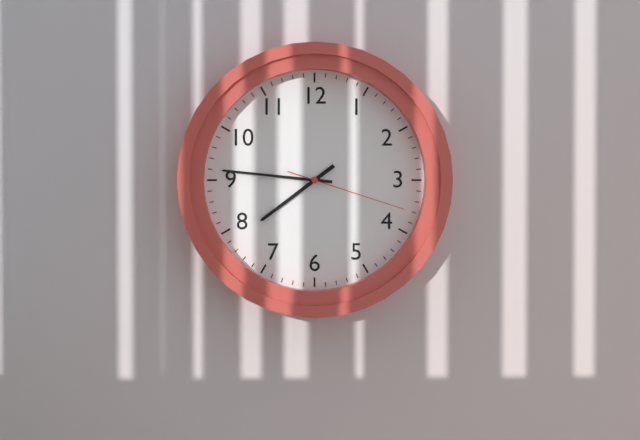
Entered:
7 h 46 min 18 s
